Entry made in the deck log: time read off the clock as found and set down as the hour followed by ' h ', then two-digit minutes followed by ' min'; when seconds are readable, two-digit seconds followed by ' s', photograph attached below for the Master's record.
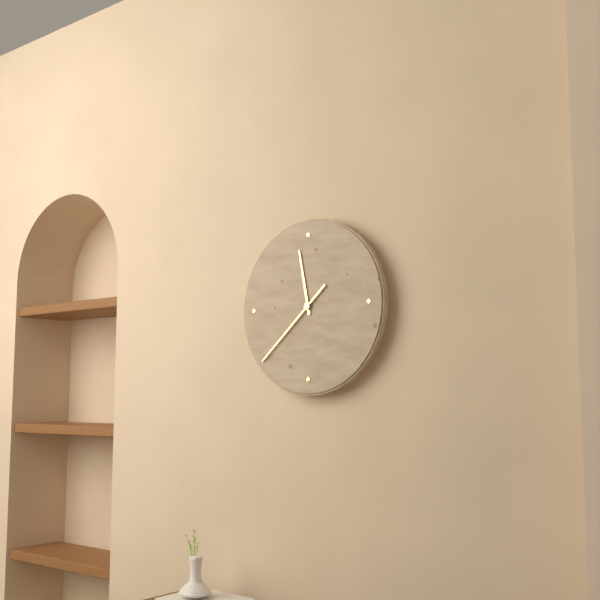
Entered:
11 h 38 min
